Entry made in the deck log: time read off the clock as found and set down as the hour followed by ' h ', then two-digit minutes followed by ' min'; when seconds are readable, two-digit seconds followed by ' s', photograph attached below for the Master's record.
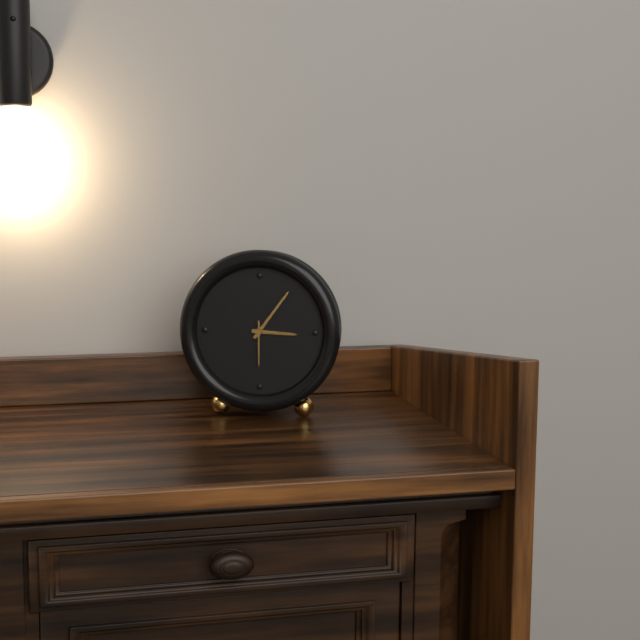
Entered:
3 h 06 min
